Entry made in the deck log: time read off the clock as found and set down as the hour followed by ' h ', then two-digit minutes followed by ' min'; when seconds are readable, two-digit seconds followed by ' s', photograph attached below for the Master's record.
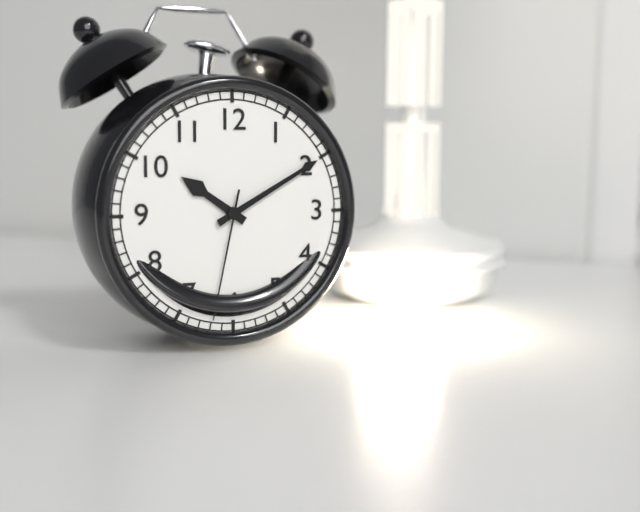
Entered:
10 h 10 min 32 s
